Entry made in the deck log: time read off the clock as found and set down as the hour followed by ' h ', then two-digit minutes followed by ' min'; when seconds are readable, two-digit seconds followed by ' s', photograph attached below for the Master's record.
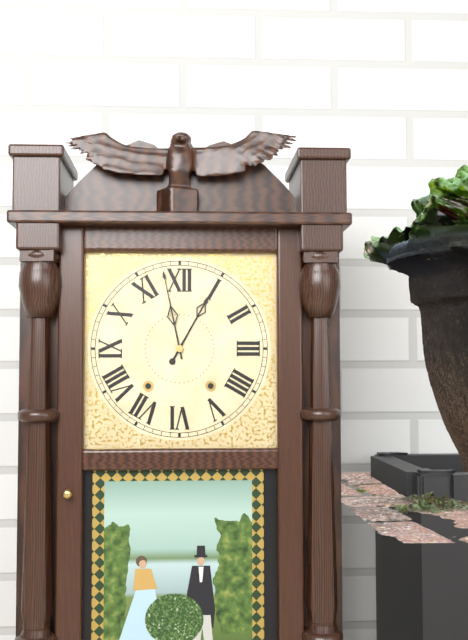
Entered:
12 h 58 min
